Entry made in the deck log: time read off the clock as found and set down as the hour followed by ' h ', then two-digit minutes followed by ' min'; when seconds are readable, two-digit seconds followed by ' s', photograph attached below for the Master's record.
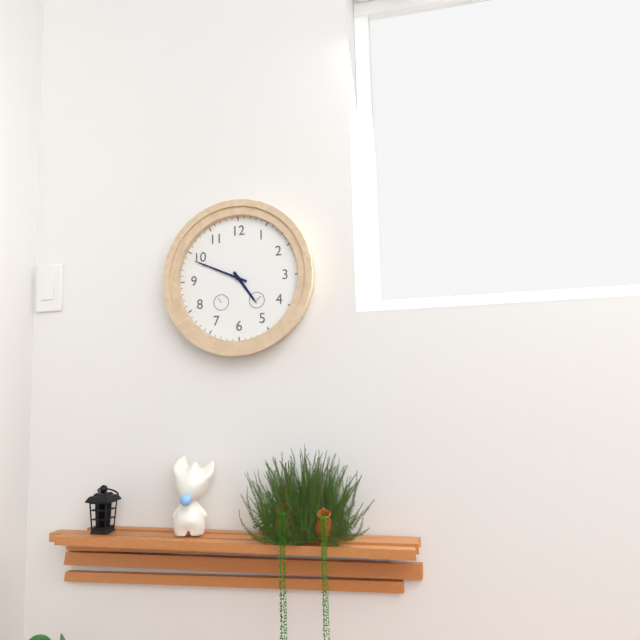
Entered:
4 h 49 min
